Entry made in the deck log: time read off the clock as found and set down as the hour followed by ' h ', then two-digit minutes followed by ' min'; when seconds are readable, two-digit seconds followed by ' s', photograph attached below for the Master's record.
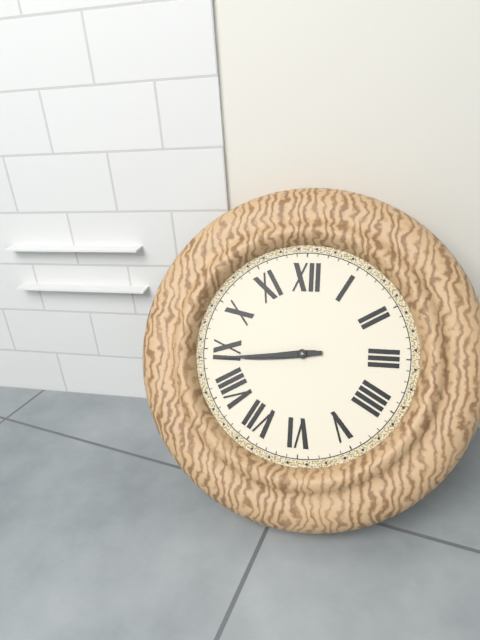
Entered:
8 h 44 min
